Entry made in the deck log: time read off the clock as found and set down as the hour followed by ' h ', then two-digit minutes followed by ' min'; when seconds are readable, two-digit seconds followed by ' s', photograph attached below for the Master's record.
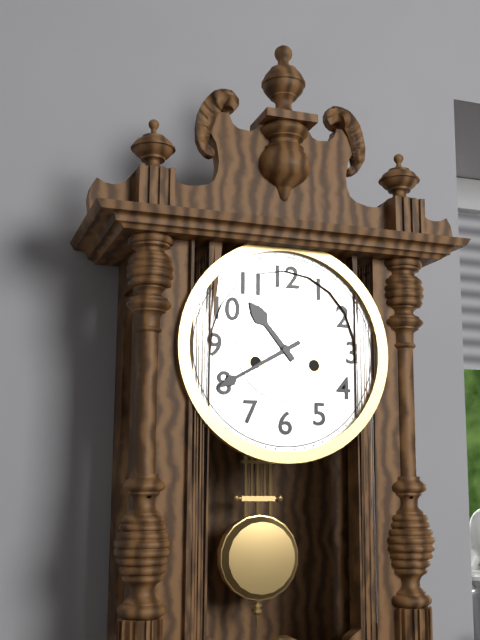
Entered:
10 h 40 min
